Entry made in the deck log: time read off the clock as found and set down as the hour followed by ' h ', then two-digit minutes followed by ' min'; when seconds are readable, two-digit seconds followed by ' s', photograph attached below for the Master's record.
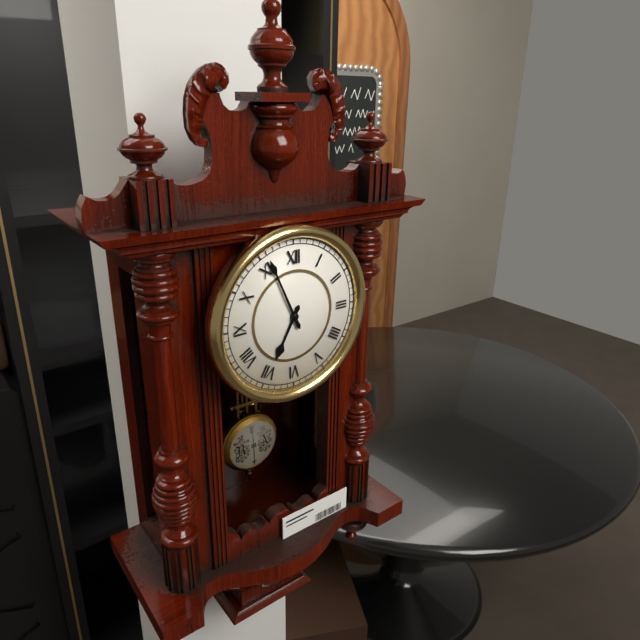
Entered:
6 h 56 min
